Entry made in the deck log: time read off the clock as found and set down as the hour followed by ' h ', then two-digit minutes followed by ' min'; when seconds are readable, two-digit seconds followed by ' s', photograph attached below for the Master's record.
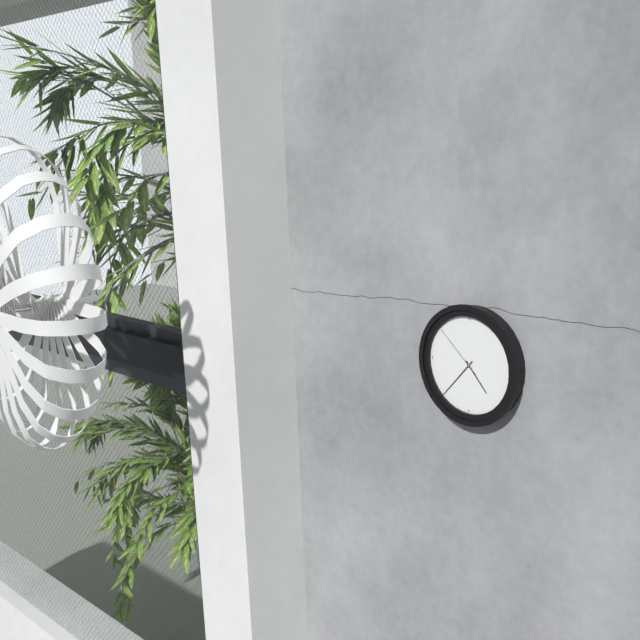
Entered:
4 h 37 min 52 s
